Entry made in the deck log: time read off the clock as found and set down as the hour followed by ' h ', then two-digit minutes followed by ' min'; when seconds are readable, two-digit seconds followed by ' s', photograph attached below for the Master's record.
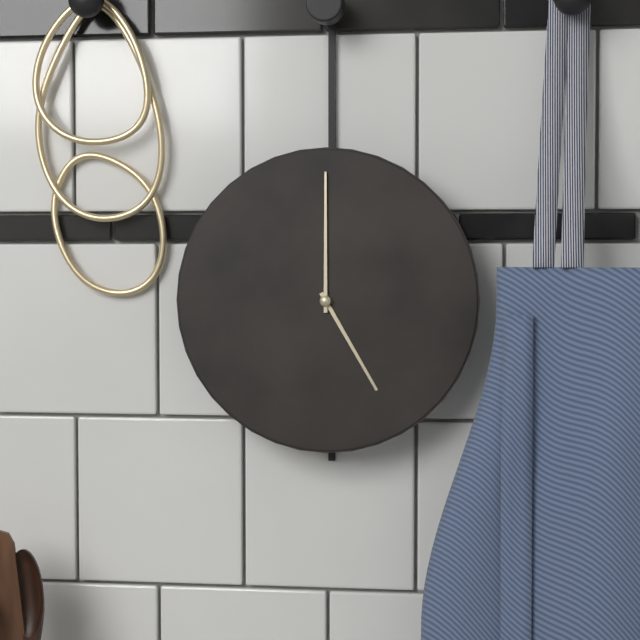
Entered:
5 h 00 min
